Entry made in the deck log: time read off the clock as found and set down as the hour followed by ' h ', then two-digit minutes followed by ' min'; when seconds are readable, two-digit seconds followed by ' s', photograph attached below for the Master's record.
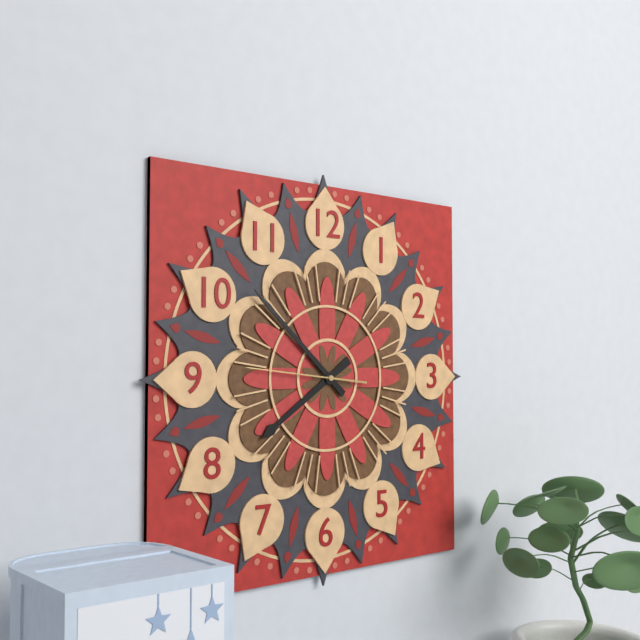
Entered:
7 h 52 min 46 s
